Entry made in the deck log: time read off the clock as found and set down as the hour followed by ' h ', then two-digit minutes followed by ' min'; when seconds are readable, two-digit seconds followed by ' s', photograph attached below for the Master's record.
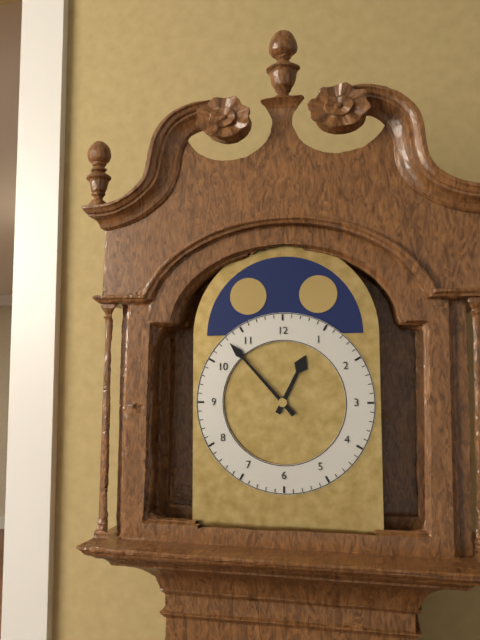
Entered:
12 h 53 min
